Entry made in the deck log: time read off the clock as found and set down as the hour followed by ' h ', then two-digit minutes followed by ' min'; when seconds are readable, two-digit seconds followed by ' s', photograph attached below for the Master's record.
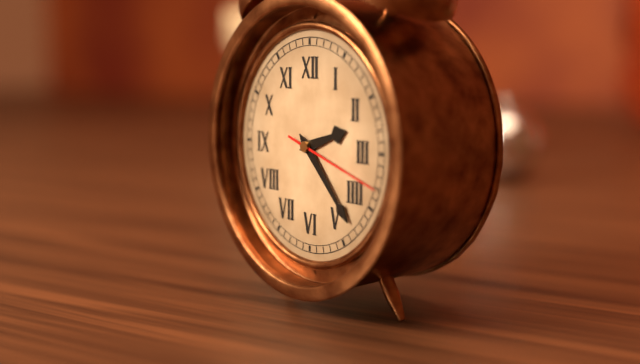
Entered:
2 h 23 min 18 s
